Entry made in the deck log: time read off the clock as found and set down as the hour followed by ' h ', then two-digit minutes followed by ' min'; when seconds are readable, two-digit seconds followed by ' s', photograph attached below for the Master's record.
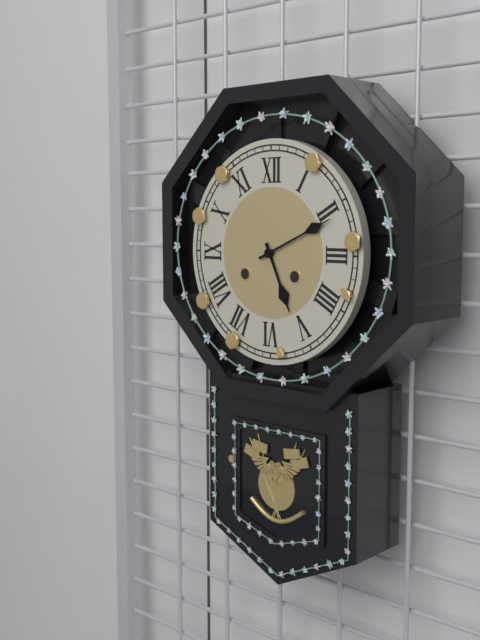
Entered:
5 h 11 min
